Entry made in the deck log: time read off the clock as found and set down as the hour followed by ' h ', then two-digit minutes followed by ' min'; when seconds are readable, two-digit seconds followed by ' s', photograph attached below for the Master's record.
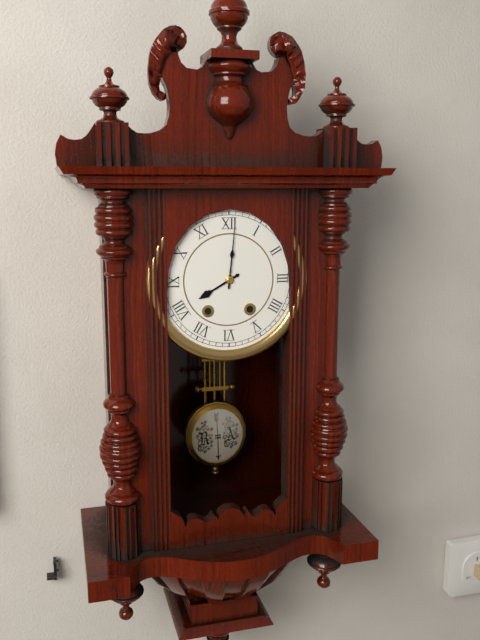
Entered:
8 h 01 min
